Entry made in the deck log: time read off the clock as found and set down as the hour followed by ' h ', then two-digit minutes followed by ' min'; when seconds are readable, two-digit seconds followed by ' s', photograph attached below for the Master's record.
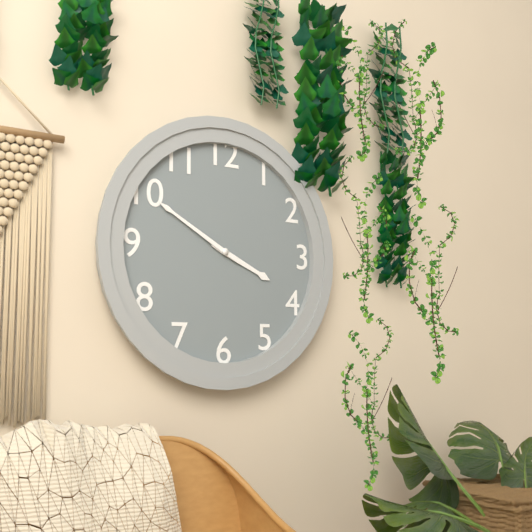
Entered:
3 h 50 min
